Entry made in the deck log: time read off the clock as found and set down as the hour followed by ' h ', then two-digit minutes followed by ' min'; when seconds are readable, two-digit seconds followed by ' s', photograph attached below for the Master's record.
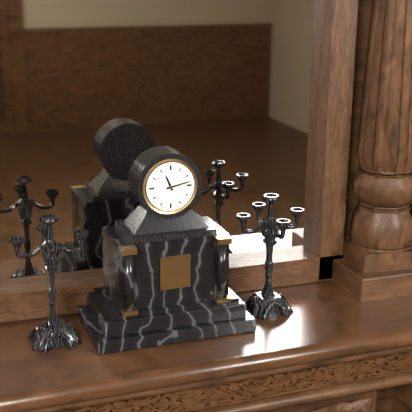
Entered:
11 h 13 min
